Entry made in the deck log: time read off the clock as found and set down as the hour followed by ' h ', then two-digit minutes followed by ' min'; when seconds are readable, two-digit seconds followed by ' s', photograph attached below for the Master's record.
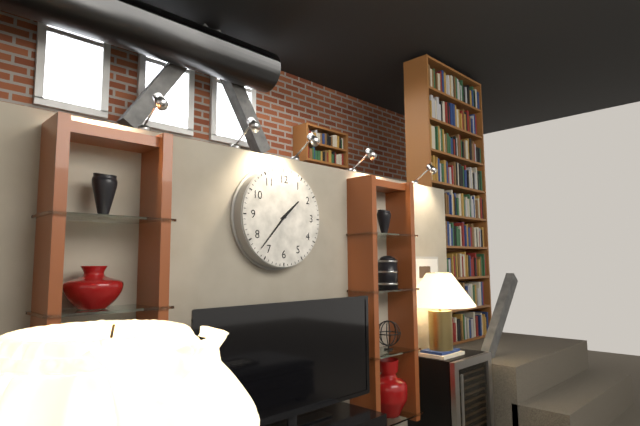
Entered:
1 h 37 min
